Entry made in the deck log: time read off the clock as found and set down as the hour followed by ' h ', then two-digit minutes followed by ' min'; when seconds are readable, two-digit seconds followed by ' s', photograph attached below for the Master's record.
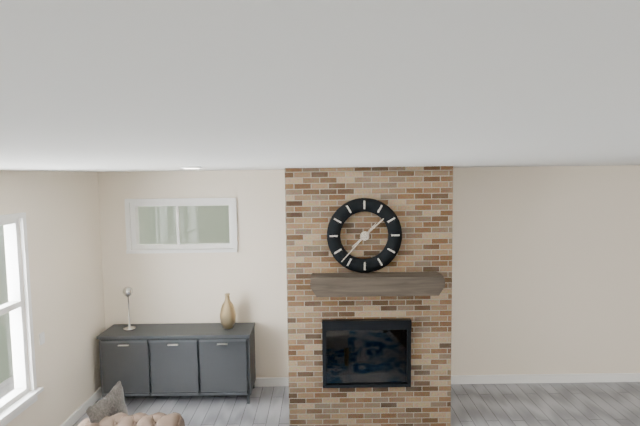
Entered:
1 h 37 min
